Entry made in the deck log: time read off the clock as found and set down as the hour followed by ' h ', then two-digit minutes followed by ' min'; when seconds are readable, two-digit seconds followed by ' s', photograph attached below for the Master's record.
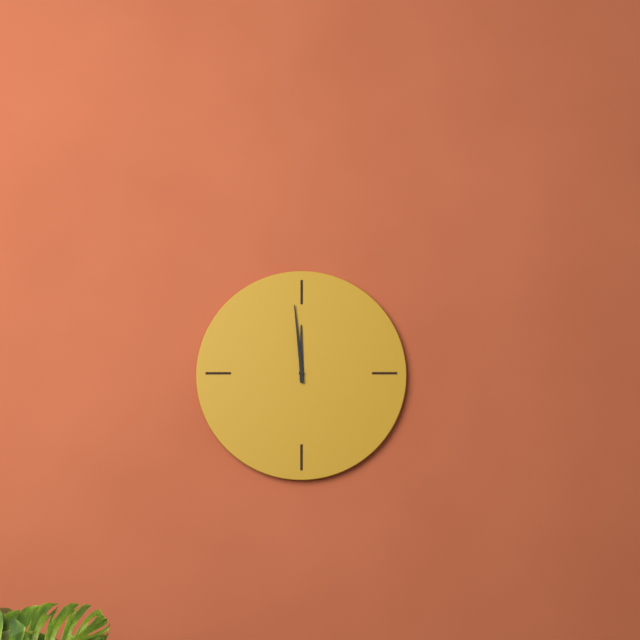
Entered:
11 h 59 min
